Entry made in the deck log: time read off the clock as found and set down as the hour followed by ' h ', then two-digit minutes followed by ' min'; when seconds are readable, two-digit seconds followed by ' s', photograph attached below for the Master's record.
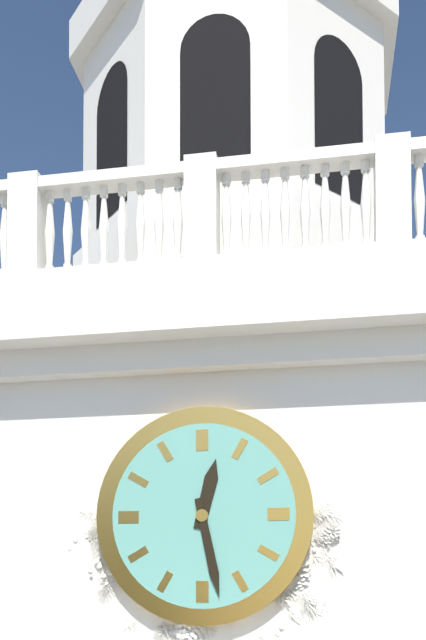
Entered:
12 h 28 min
